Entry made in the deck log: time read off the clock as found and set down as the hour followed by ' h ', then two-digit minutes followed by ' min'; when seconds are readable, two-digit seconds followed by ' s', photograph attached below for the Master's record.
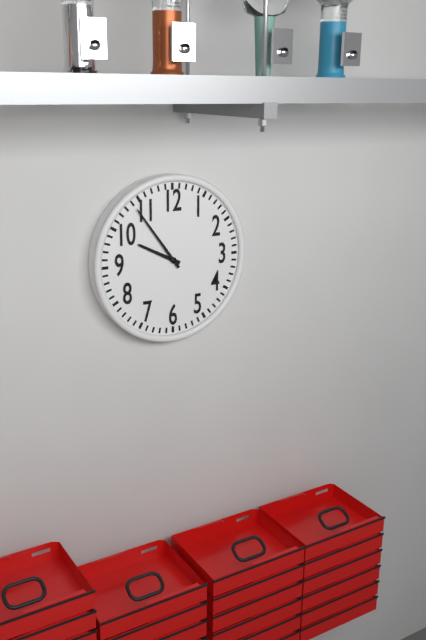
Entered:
9 h 54 min
